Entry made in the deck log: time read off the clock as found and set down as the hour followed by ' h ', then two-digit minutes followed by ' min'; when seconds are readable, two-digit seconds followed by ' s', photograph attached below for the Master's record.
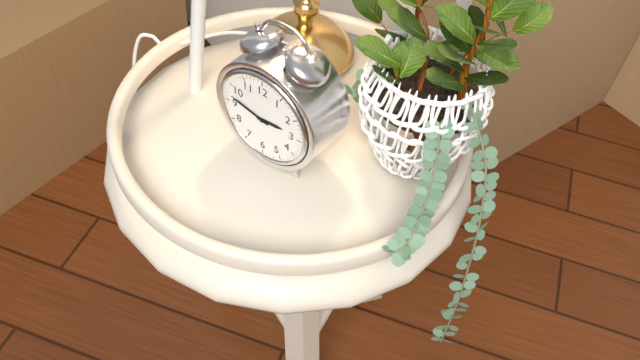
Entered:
2 h 47 min
